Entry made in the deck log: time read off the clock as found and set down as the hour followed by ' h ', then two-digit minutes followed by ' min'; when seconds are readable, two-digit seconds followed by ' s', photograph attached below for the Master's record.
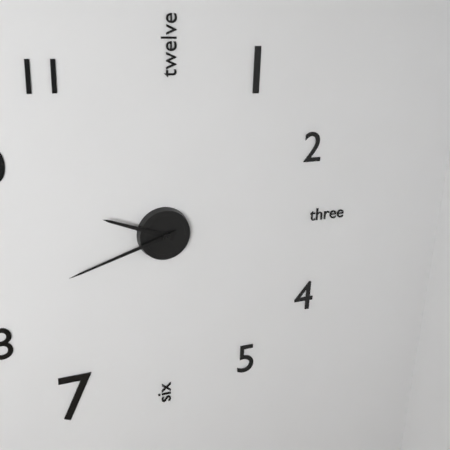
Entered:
9 h 42 min
